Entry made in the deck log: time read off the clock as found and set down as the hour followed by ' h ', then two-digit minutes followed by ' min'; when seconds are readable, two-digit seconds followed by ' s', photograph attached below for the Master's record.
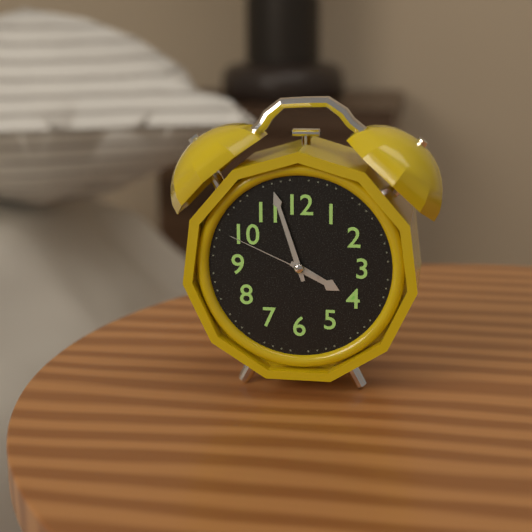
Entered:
3 h 57 min 49 s
